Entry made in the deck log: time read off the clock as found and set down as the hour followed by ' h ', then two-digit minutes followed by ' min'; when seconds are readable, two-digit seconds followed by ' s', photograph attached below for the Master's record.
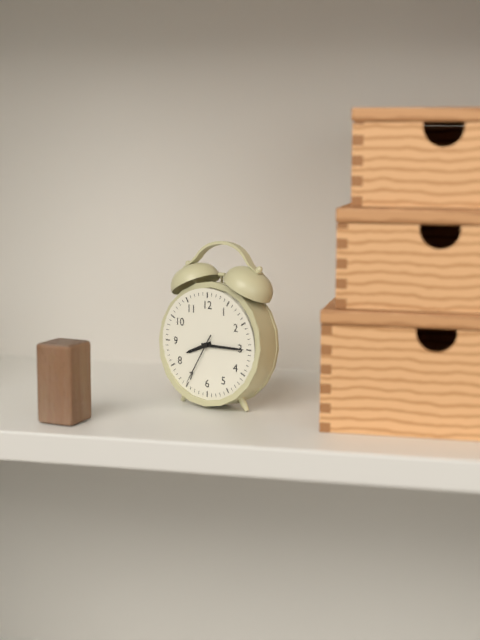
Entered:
8 h 15 min 35 s
